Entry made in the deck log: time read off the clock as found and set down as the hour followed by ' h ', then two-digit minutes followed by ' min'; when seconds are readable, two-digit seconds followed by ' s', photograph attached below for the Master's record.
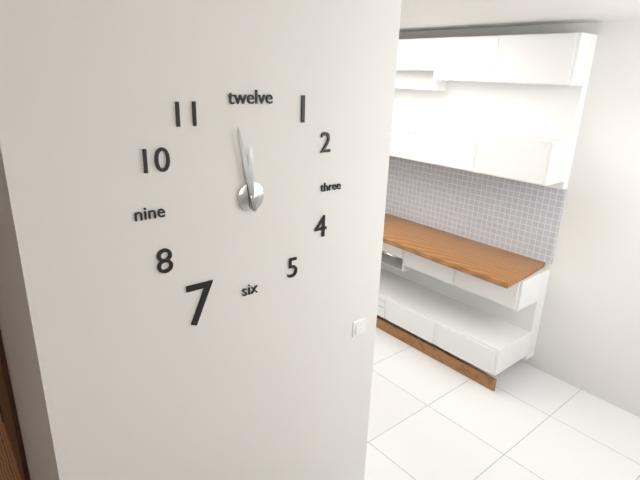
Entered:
11 h 58 min
